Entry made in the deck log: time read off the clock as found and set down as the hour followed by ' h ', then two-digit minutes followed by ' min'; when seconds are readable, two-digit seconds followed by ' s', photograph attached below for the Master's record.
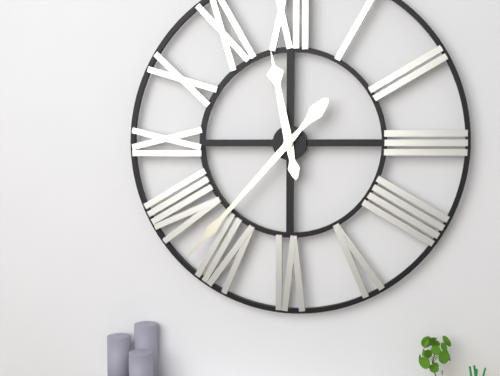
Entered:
11 h 37 min
